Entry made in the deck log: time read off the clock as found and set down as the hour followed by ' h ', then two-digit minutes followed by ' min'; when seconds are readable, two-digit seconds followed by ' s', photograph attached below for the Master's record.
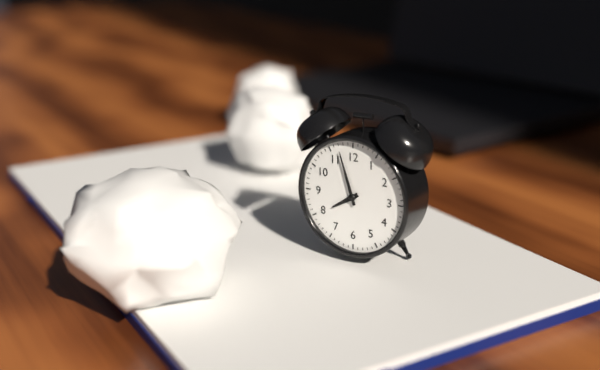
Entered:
7 h 57 min
